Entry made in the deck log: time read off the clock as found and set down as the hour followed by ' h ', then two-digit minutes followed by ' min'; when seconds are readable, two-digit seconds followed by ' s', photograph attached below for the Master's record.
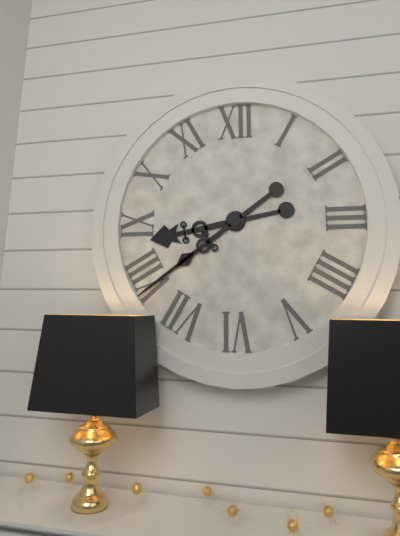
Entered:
8 h 39 min
